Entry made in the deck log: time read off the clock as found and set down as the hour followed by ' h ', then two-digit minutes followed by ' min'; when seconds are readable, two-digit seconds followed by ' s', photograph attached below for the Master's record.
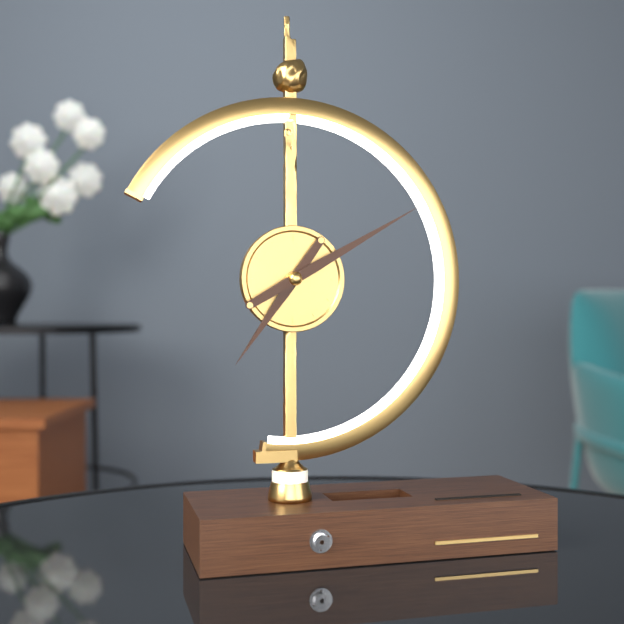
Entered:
7 h 10 min
